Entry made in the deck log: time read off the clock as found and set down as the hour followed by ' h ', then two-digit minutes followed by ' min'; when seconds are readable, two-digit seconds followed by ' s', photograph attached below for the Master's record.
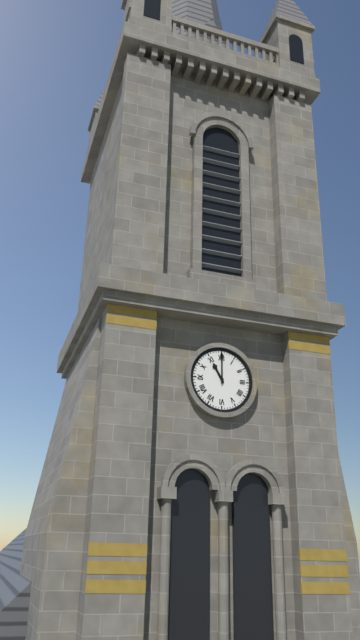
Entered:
11 h 00 min
